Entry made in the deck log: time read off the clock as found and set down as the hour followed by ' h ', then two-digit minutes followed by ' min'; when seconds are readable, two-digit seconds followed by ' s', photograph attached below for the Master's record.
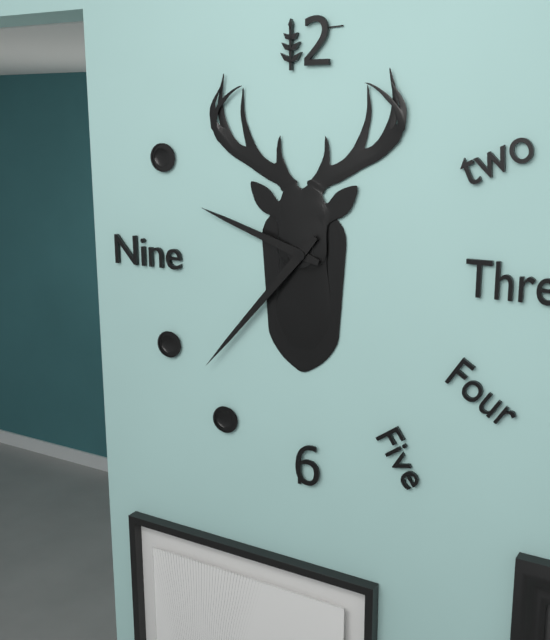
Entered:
9 h 37 min
